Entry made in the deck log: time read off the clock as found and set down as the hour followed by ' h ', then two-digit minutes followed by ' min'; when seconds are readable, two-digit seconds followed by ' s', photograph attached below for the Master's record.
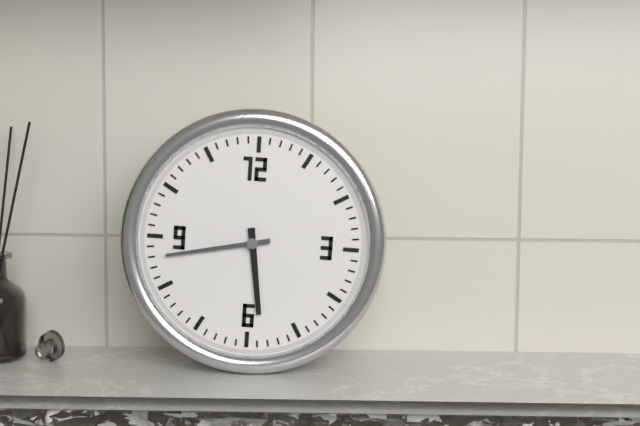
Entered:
5 h 43 min
